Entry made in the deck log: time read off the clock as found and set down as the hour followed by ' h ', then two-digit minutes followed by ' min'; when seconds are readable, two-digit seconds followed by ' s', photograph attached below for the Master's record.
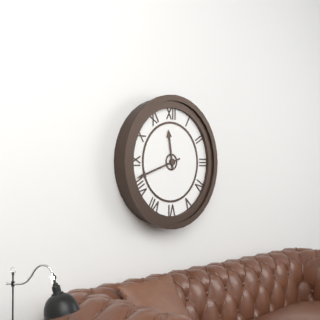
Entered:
11 h 42 min
